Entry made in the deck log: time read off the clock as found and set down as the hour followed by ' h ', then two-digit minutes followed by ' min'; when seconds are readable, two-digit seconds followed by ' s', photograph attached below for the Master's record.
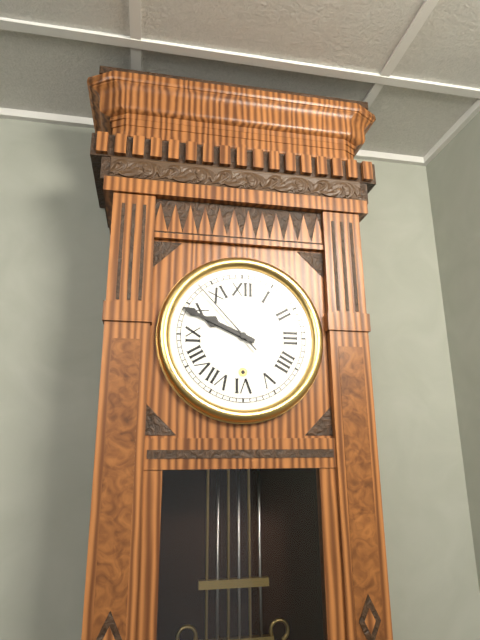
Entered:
9 h 49 min 53 s
